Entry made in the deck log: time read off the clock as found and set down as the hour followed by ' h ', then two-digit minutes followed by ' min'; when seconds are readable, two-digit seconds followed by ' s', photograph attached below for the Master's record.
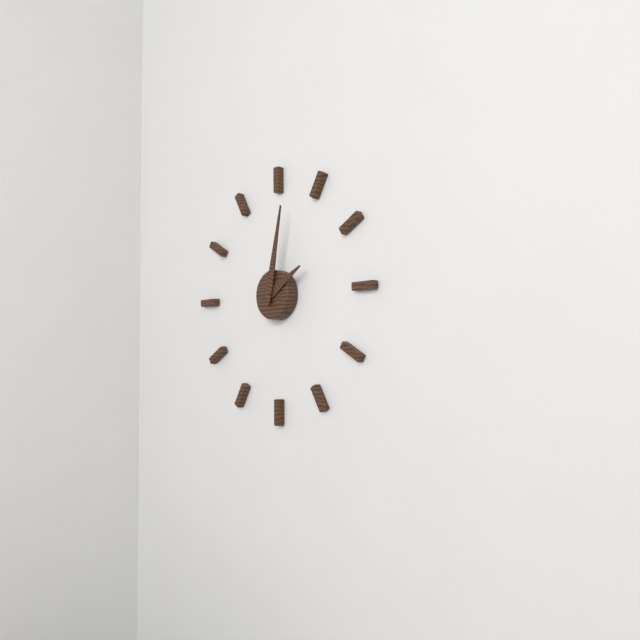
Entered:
2 h 02 min
